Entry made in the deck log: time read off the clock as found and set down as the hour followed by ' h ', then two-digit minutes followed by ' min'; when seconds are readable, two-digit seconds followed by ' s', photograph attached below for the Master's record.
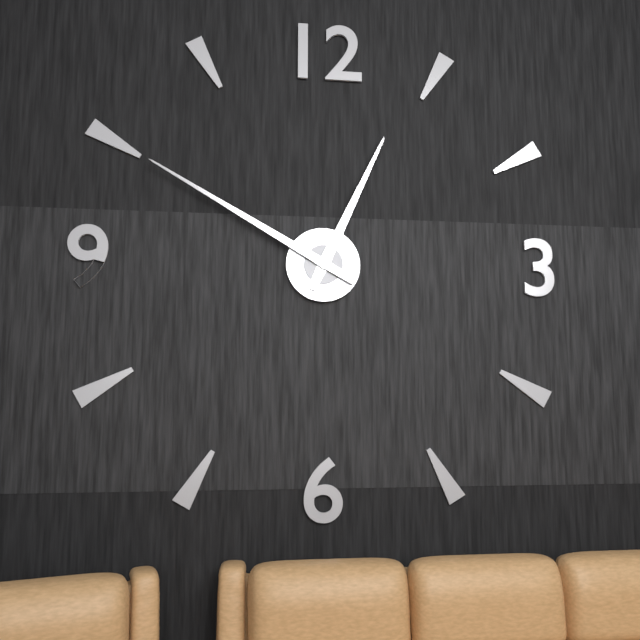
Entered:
12 h 50 min
